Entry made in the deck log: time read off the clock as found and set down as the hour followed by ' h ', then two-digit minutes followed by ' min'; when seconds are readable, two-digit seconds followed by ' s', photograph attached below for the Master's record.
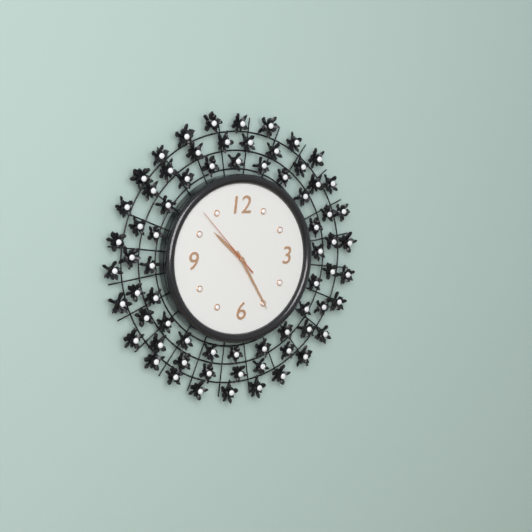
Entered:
10 h 25 min 53 s
